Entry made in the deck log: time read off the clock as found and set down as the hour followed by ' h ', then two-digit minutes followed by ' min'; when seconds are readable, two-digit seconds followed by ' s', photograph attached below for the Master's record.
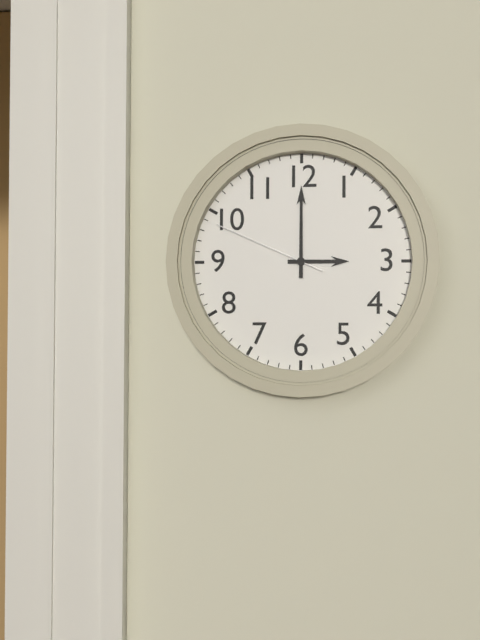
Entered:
3 h 00 min 49 s
